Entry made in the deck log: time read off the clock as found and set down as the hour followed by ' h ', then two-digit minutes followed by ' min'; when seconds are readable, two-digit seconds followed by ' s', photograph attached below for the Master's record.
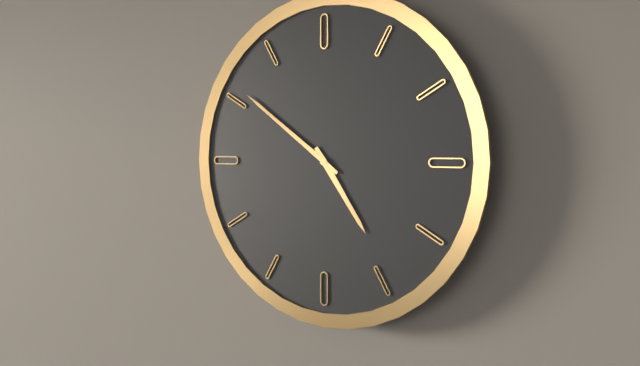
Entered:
4 h 51 min
